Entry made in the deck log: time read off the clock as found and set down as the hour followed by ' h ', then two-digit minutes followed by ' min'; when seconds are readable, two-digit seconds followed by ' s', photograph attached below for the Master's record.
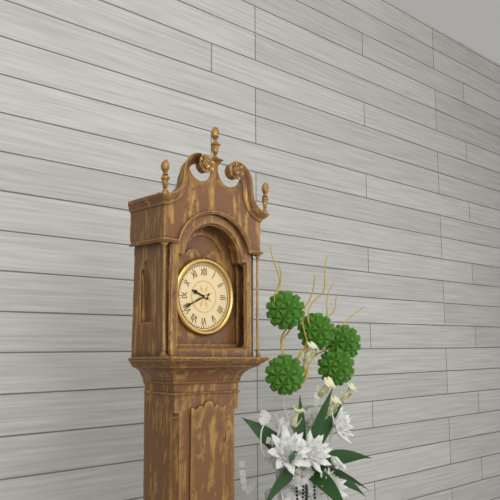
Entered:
9 h 41 min
